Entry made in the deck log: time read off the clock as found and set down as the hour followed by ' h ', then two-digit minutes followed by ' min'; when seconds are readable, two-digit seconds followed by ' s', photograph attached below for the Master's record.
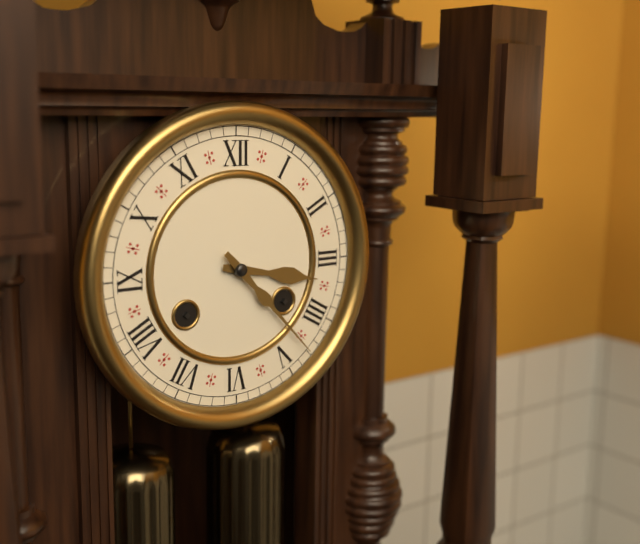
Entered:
3 h 23 min
